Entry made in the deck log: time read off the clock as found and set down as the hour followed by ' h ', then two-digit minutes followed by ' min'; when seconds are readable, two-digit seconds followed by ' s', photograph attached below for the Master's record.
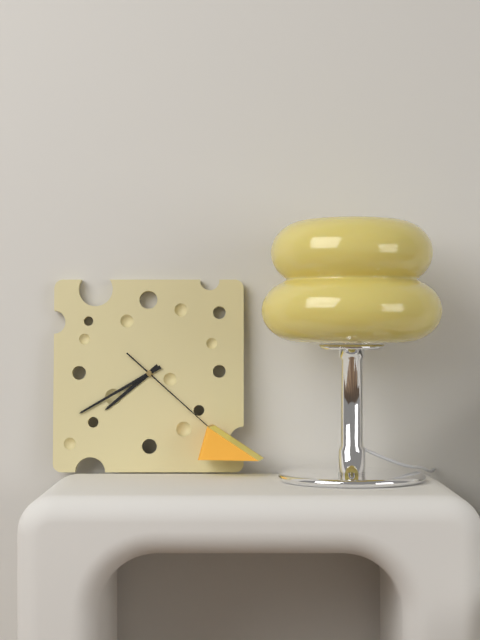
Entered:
7 h 40 min 22 s
